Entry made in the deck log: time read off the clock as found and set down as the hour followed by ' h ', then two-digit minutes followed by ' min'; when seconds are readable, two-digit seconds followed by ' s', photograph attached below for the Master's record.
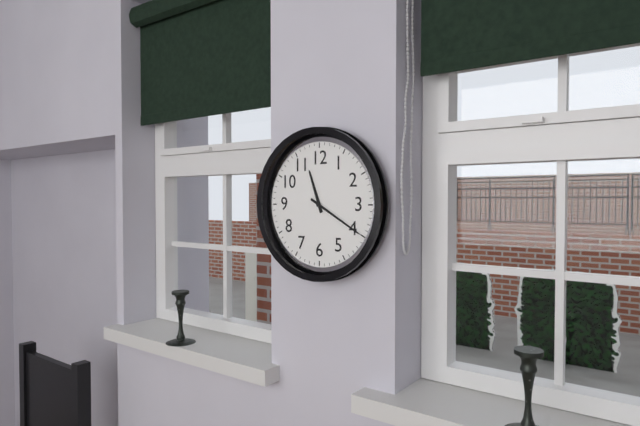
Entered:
11 h 20 min
